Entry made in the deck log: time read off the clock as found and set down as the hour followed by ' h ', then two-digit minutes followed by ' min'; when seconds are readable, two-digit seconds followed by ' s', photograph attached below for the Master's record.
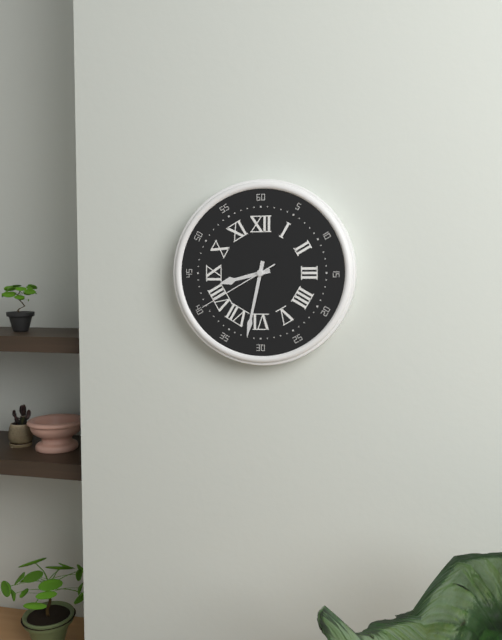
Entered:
8 h 32 min 40 s
